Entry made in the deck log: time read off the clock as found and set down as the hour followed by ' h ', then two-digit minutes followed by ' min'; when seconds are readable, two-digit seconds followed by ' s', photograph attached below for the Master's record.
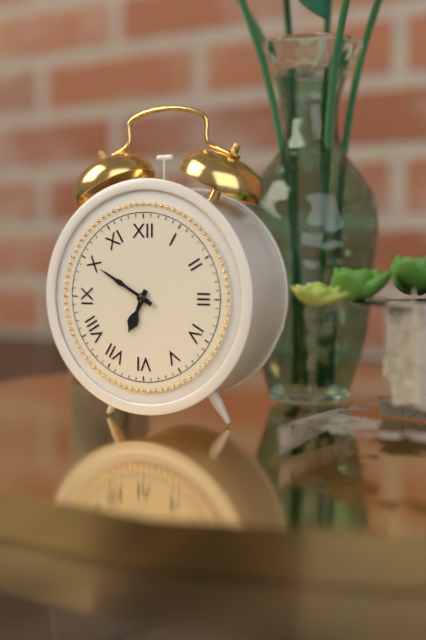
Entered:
6 h 50 min
